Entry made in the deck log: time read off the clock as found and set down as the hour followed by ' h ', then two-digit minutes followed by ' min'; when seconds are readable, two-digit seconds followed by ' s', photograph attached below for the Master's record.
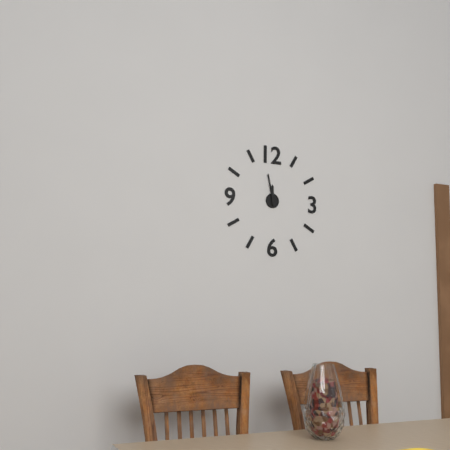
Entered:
11 h 58 min
